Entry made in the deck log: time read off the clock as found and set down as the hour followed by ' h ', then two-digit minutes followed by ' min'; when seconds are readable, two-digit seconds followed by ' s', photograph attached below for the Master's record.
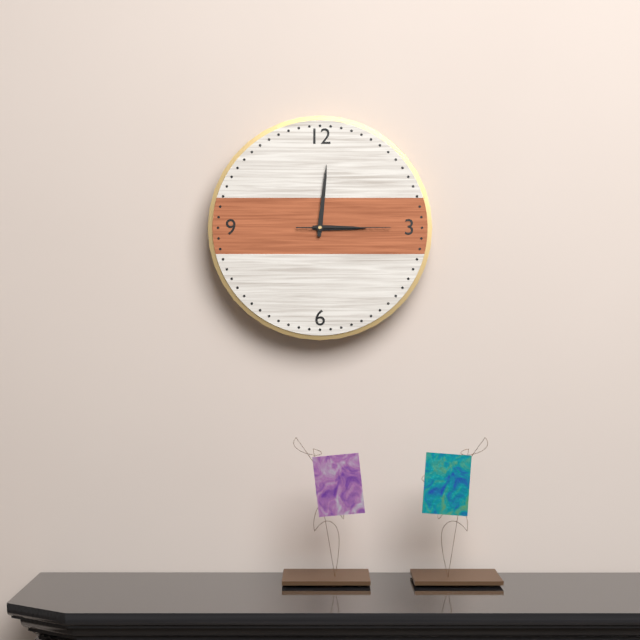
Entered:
3 h 01 min 15 s
